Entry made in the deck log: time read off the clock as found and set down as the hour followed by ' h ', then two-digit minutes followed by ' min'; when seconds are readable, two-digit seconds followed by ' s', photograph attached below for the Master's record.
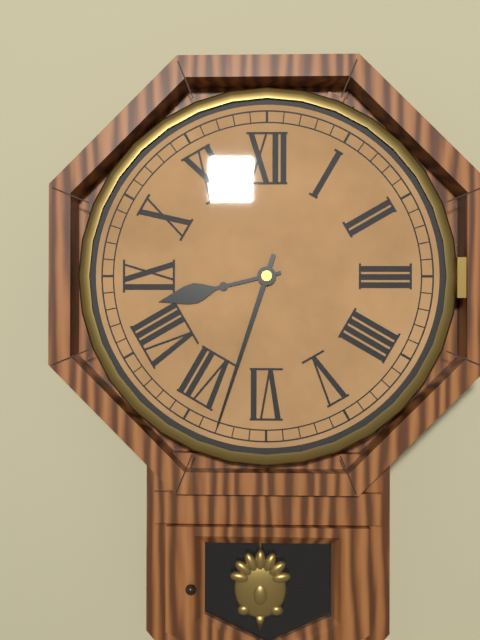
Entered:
8 h 33 min
